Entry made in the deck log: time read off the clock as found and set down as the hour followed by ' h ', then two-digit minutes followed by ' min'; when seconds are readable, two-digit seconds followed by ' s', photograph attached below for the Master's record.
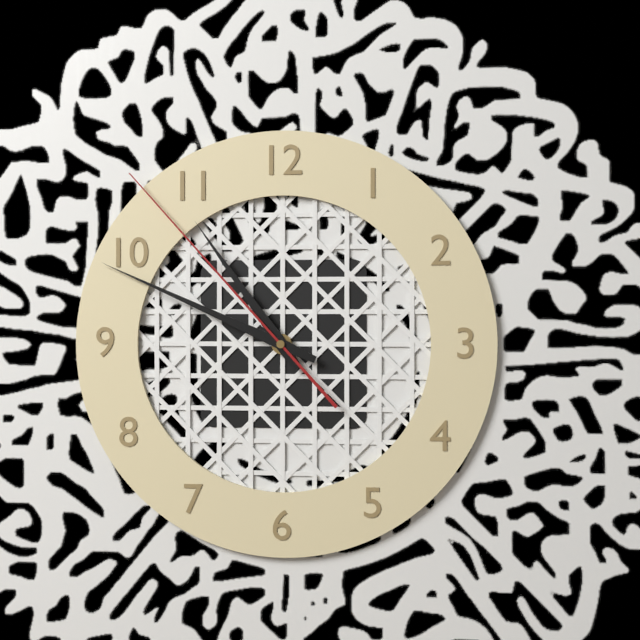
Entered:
10 h 49 min 53 s
